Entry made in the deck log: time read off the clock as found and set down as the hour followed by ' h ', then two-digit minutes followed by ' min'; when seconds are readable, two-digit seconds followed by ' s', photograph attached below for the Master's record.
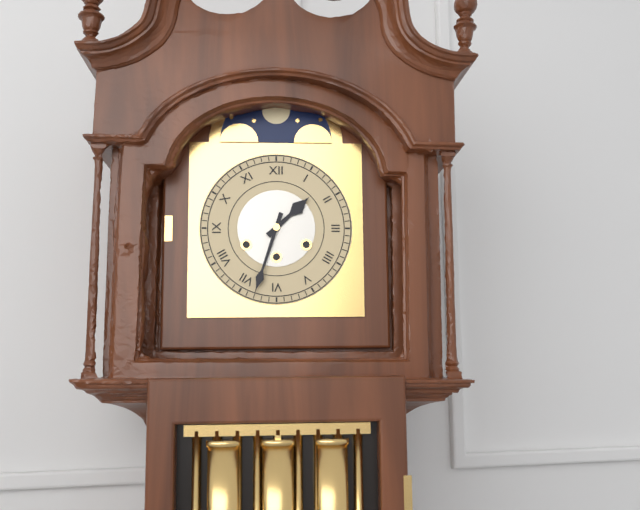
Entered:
1 h 33 min
